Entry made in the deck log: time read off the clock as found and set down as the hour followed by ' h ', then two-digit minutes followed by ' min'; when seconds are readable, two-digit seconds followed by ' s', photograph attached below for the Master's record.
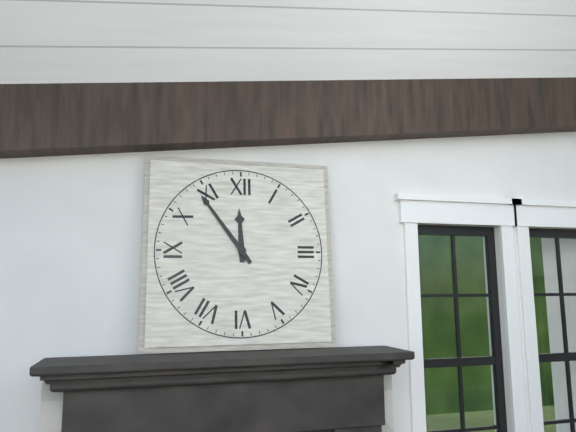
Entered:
11 h 54 min
